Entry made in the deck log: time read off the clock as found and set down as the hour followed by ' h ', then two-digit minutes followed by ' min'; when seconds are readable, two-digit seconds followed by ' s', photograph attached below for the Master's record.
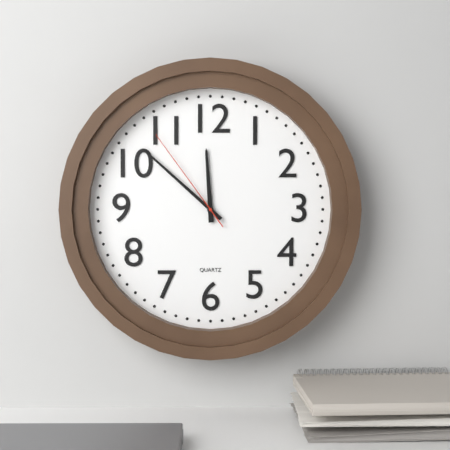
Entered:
11 h 52 min 54 s
